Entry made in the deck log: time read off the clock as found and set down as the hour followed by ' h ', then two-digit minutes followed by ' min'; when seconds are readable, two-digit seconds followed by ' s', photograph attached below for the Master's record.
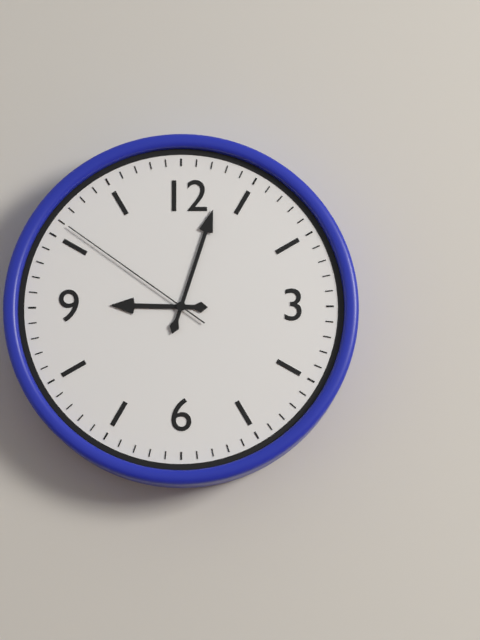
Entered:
9 h 03 min 51 s
